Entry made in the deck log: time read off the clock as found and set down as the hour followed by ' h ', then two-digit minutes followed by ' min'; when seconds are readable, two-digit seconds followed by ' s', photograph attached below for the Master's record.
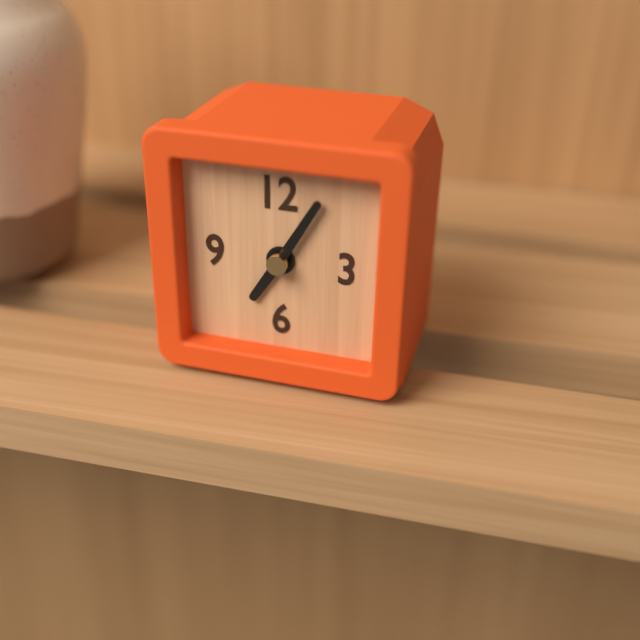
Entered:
7 h 05 min
